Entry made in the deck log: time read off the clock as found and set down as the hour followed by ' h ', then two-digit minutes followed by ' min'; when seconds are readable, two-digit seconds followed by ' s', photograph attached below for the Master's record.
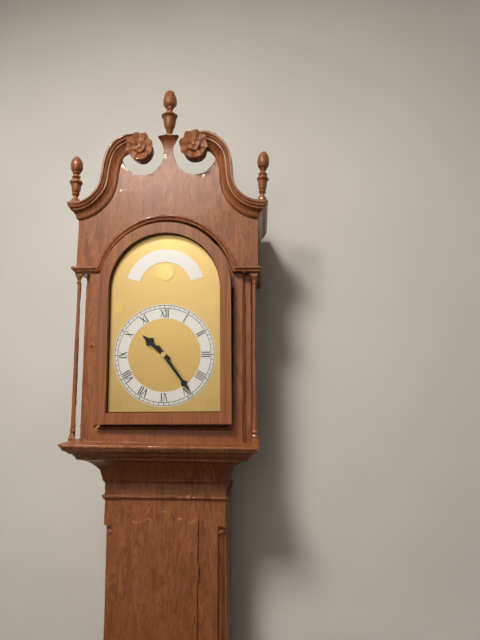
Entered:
10 h 24 min
